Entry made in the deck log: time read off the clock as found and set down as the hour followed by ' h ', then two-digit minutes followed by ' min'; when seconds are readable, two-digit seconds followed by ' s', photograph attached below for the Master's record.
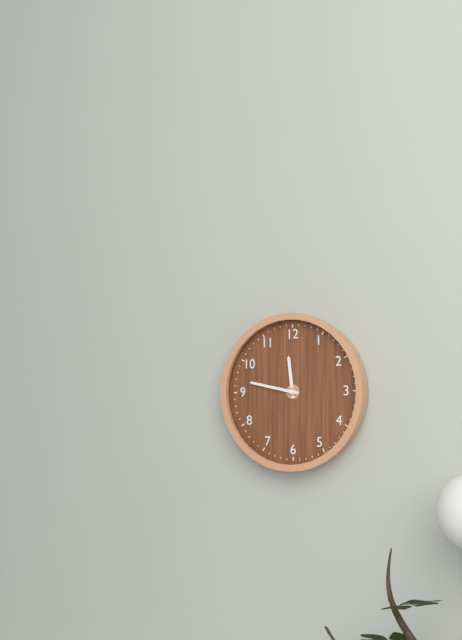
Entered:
11 h 47 min
